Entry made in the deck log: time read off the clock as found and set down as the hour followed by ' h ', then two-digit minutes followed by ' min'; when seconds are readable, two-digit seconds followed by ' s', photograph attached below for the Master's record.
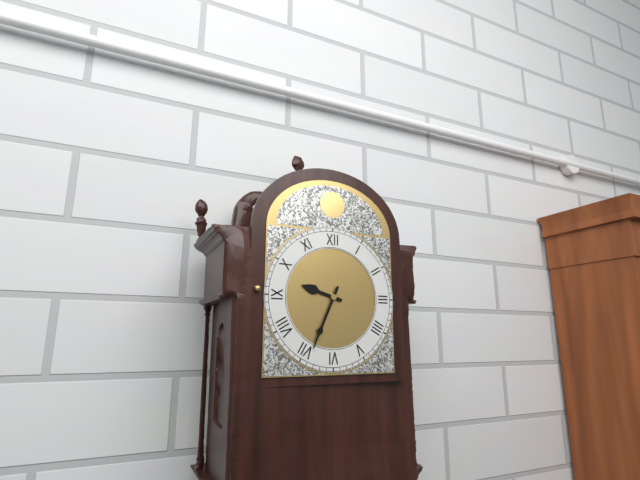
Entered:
9 h 34 min
